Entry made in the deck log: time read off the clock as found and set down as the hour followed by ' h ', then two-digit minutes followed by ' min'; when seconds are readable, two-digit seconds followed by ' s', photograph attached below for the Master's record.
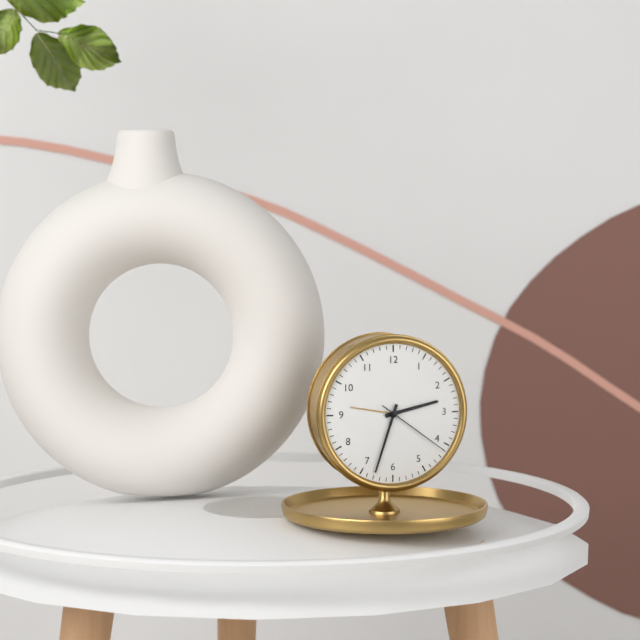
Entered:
2 h 33 min 21 s
